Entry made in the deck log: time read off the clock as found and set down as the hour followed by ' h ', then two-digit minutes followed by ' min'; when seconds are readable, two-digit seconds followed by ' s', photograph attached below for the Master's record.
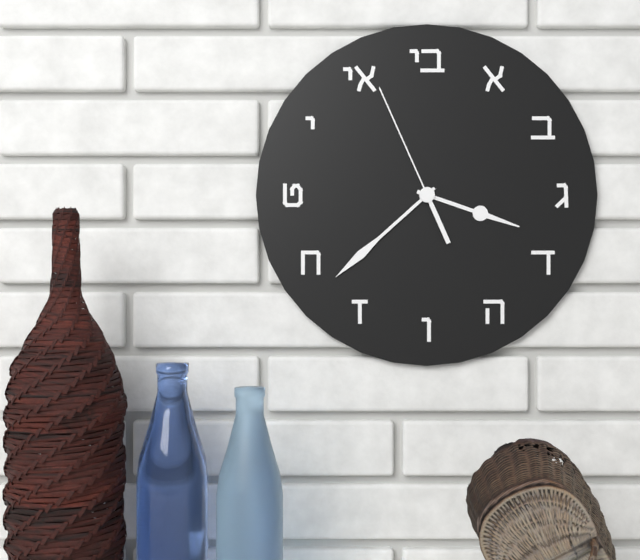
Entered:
3 h 38 min 56 s
